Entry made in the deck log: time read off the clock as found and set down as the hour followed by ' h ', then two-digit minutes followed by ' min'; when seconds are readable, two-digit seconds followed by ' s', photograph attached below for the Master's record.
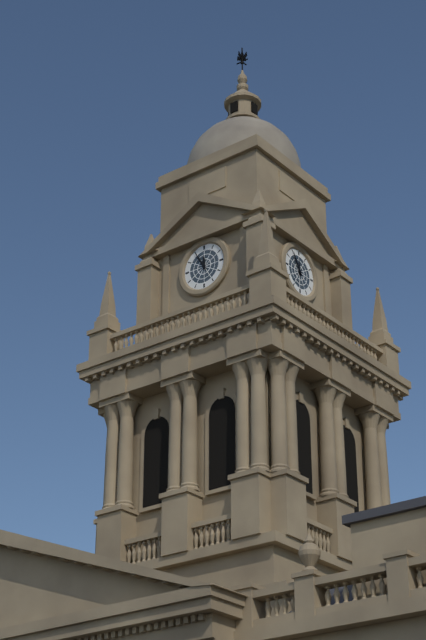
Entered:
11 h 55 min
